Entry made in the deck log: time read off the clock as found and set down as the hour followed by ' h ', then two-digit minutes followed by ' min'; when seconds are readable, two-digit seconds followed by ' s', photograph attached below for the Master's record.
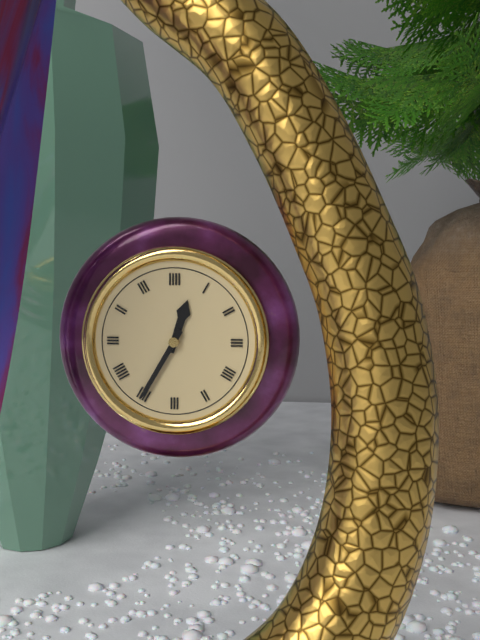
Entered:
12 h 35 min
